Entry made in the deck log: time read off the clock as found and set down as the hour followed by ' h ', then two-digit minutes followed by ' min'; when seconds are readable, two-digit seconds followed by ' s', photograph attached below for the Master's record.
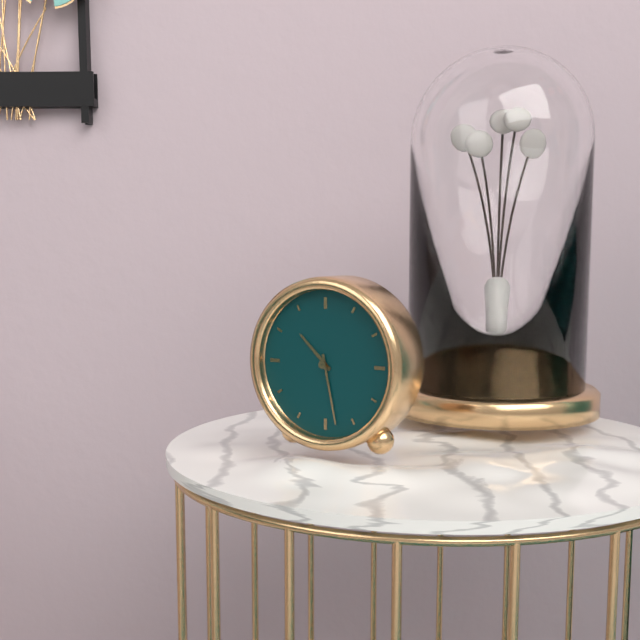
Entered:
10 h 28 min
